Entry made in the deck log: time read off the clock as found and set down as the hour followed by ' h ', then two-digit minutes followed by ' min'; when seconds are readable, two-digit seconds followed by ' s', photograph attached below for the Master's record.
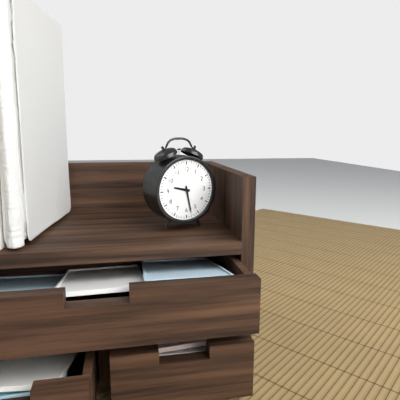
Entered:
9 h 28 min
